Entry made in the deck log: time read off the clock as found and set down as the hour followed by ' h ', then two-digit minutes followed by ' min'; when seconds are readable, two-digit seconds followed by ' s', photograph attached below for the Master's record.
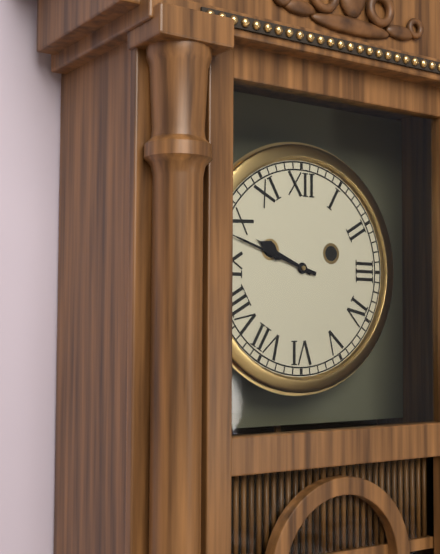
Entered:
9 h 48 min
